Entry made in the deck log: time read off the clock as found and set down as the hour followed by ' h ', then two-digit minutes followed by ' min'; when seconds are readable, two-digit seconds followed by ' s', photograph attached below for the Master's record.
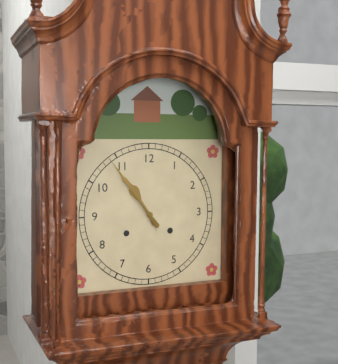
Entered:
10 h 54 min
